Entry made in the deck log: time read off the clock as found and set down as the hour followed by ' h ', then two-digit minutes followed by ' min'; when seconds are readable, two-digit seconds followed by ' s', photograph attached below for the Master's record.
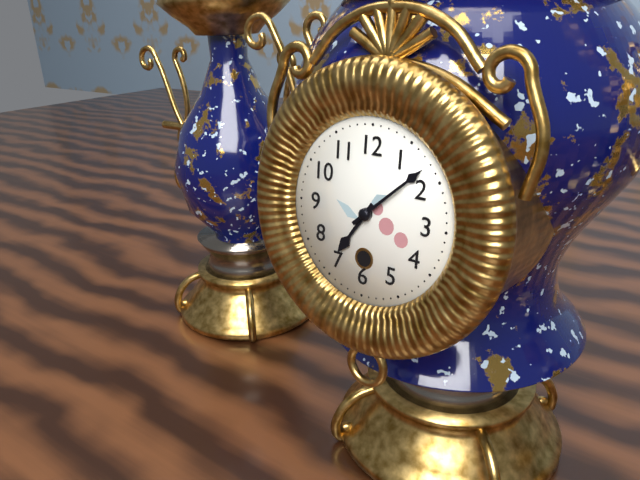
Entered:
7 h 08 min
